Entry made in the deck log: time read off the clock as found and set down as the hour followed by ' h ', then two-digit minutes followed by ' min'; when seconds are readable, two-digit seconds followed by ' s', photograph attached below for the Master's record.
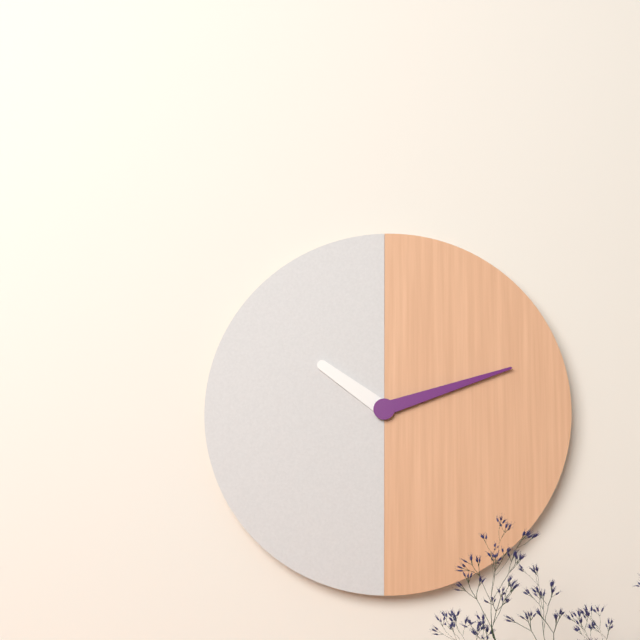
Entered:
10 h 12 min
